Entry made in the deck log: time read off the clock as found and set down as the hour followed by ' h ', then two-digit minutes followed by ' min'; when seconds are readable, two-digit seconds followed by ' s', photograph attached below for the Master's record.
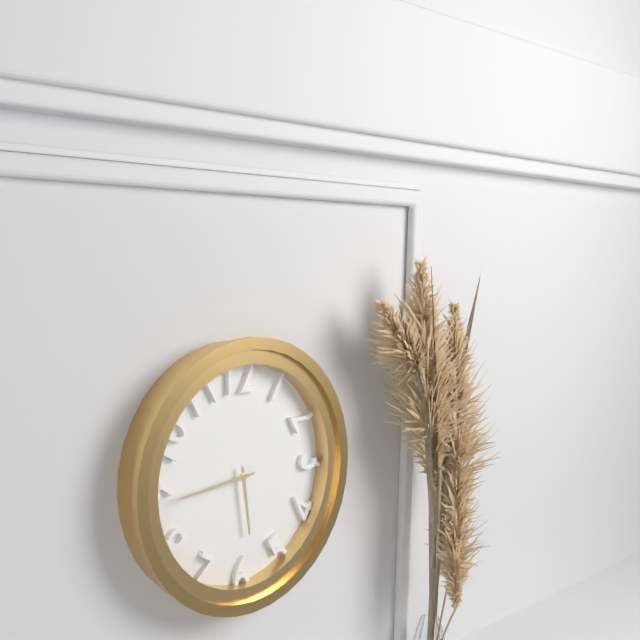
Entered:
5 h 44 min
